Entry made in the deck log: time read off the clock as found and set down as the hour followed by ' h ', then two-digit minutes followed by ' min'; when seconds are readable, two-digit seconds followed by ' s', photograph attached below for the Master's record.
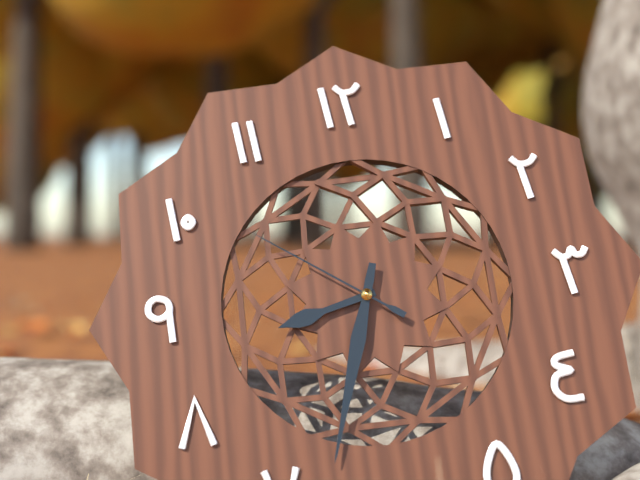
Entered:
8 h 33 min 51 s
